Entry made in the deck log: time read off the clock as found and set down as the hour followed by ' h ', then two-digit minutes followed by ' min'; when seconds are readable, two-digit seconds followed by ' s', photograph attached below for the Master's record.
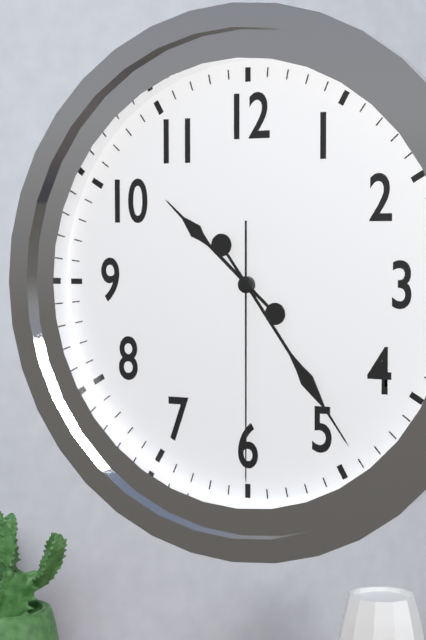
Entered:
10 h 24 min 30 s
